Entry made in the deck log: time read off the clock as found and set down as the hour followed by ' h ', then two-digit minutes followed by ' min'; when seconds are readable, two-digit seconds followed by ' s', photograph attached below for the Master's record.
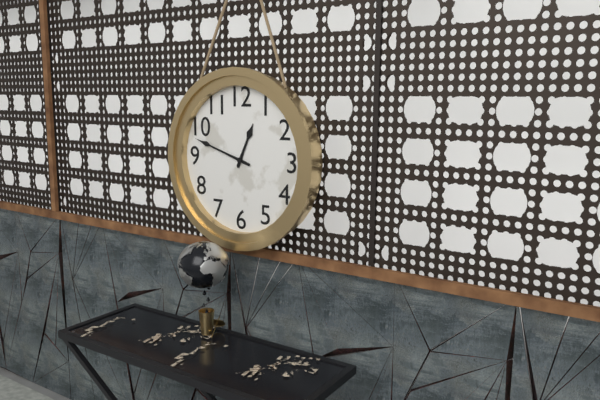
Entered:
12 h 48 min
